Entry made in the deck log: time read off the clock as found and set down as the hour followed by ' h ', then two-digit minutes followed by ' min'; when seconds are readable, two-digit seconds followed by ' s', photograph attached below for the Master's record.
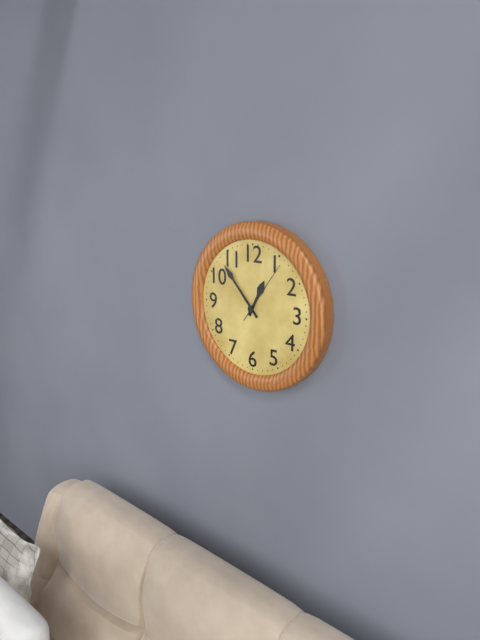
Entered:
12 h 53 min 06 s
